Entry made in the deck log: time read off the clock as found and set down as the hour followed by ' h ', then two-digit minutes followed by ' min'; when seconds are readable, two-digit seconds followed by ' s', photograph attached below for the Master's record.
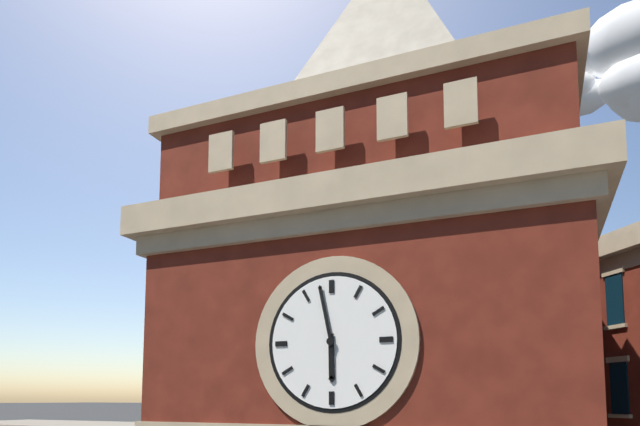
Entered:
5 h 58 min
